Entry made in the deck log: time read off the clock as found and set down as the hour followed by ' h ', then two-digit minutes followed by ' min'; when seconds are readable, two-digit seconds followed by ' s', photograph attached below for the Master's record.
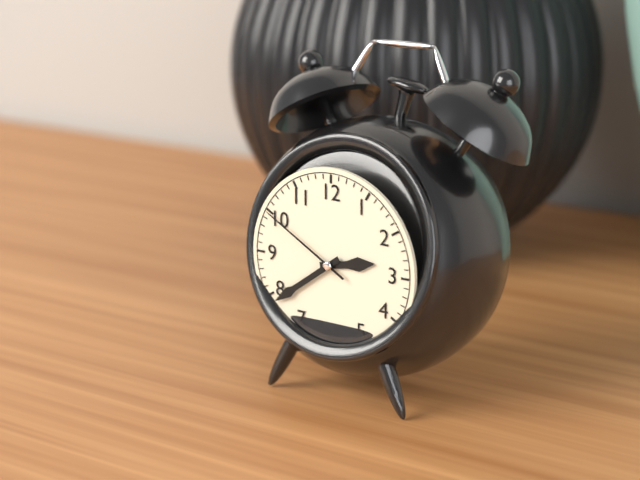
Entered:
2 h 39 min 50 s
